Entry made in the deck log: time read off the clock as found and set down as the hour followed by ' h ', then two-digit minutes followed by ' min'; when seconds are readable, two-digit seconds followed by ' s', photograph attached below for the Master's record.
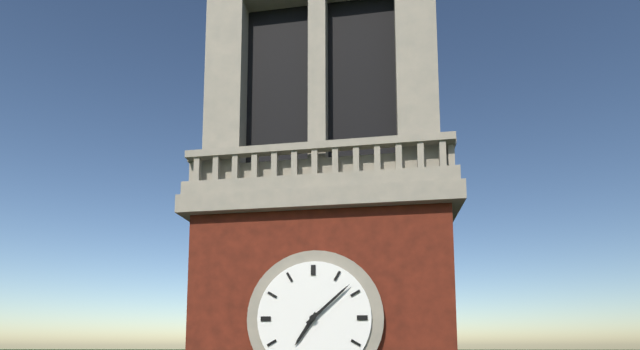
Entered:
7 h 08 min
